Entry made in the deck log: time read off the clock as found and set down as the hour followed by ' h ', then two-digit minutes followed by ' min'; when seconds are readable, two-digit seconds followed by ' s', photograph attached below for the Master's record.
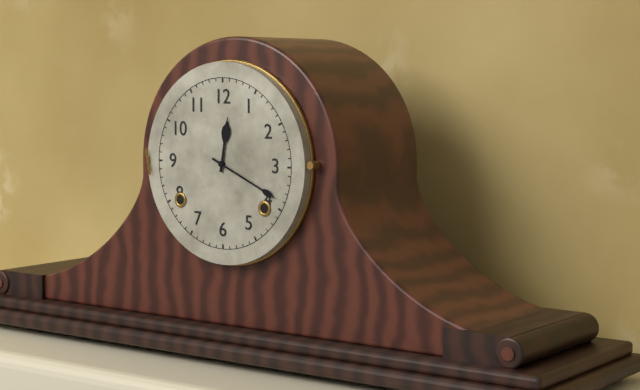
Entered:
12 h 19 min
